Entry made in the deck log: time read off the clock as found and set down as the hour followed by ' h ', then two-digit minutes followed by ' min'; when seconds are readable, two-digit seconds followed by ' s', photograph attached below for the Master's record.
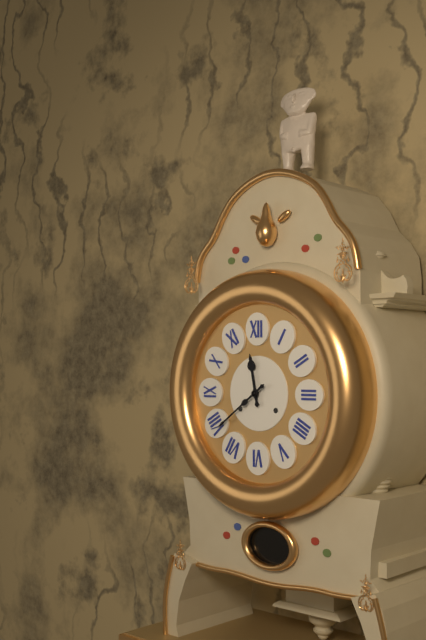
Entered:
11 h 39 min
